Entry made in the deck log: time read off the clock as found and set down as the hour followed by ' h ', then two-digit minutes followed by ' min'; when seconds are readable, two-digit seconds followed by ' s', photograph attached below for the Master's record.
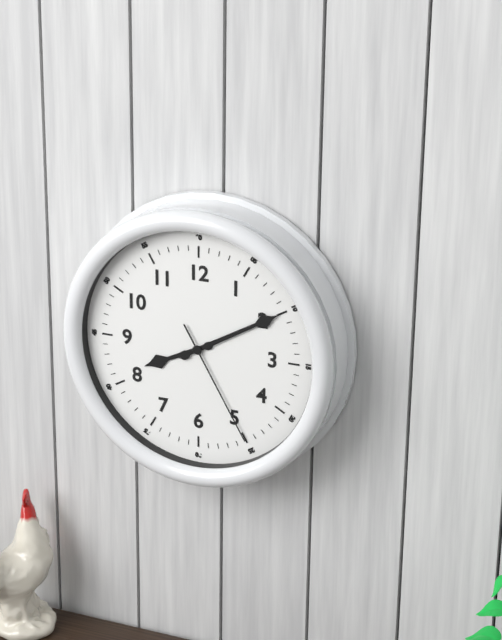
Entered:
8 h 10 min 25 s
